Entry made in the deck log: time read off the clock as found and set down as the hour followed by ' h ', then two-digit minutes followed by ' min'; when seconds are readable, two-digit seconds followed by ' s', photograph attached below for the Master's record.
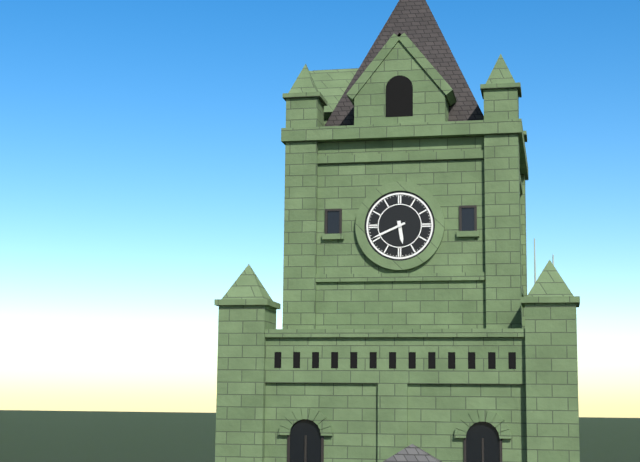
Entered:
5 h 41 min
